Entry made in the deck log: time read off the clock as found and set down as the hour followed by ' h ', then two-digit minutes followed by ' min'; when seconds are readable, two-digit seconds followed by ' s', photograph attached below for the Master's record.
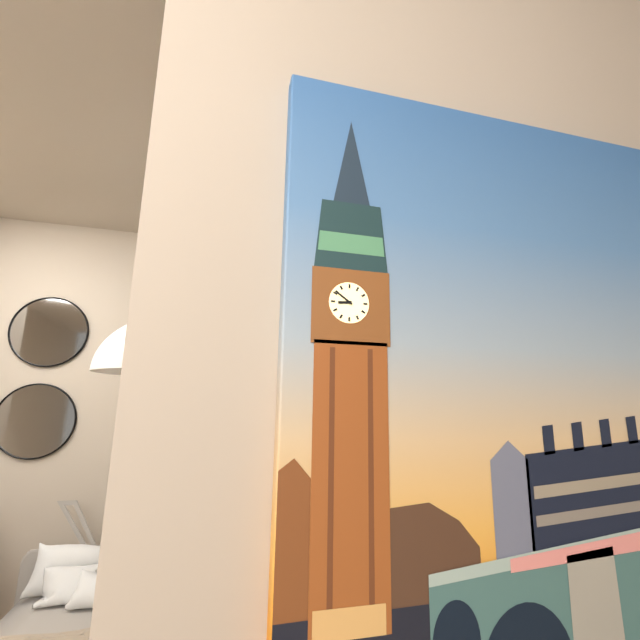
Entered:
8 h 51 min
